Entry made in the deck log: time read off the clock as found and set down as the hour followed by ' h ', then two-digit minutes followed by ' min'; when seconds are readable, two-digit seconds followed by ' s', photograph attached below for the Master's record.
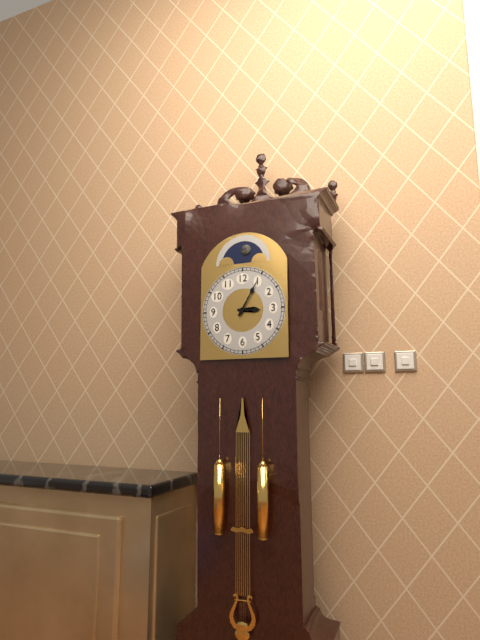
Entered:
3 h 05 min
